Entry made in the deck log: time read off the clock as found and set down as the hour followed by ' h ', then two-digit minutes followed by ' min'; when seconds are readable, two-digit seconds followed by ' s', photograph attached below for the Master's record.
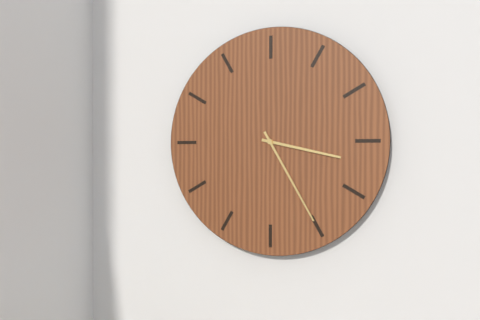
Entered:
3 h 25 min
